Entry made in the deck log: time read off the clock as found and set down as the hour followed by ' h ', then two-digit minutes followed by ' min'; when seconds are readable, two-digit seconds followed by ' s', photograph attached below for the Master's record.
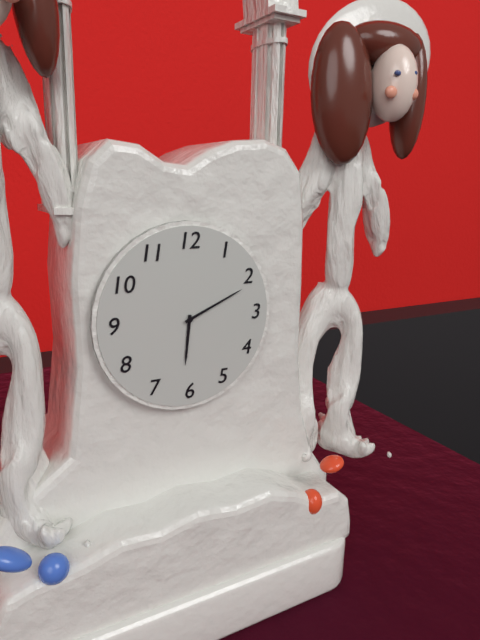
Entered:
6 h 11 min
